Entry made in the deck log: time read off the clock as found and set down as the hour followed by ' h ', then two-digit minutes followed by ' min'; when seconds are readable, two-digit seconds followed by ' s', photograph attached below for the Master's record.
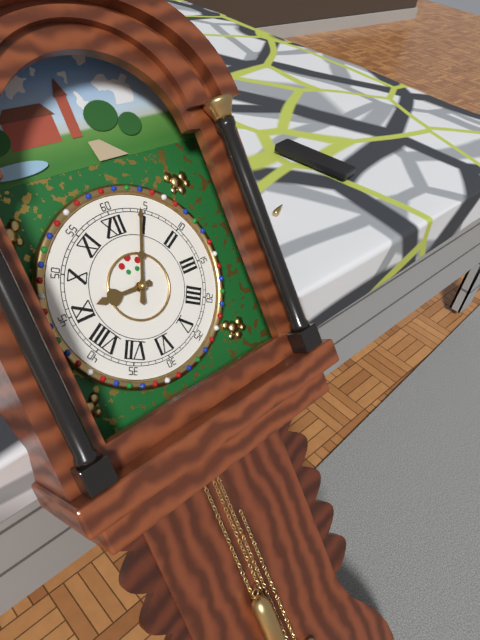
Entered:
9 h 04 min
